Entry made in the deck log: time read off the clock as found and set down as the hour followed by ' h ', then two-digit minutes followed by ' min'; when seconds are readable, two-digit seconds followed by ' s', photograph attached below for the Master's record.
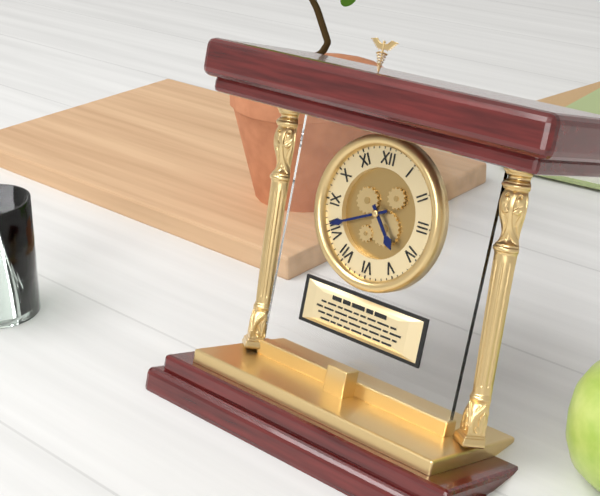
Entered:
4 h 41 min
